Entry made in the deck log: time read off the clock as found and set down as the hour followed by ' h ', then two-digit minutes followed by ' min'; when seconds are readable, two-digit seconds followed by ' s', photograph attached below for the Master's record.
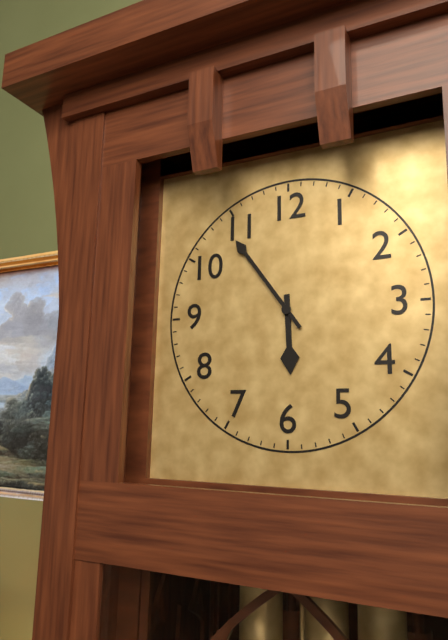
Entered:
5 h 54 min
